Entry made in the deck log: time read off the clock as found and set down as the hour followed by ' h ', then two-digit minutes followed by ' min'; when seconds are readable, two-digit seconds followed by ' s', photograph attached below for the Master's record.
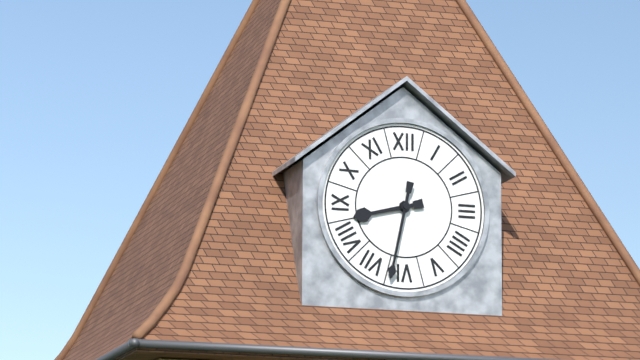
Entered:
8 h 32 min
